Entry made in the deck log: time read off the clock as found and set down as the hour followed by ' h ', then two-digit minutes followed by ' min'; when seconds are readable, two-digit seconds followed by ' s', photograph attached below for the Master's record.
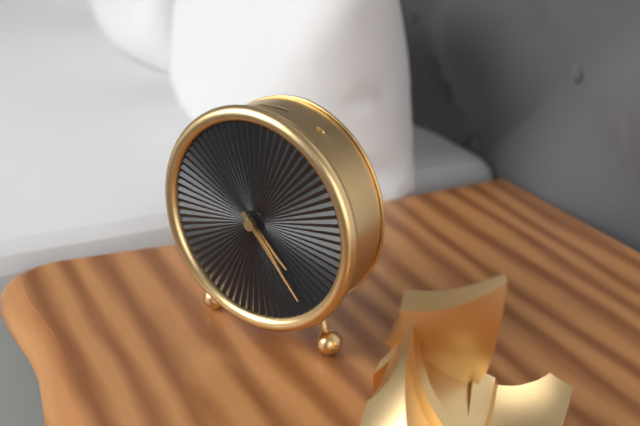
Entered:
4 h 23 min
